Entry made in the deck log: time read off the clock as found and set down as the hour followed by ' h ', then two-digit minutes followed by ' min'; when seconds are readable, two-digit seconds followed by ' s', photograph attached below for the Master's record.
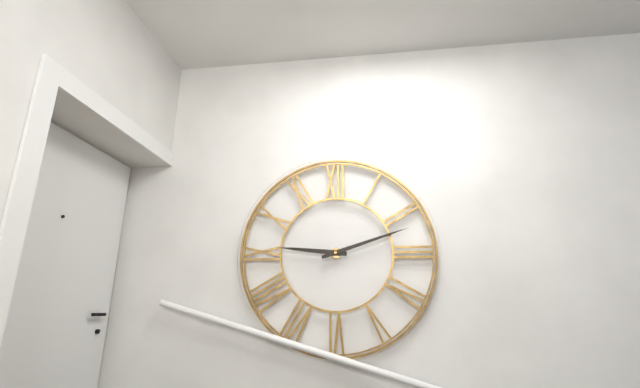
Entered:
9 h 12 min
